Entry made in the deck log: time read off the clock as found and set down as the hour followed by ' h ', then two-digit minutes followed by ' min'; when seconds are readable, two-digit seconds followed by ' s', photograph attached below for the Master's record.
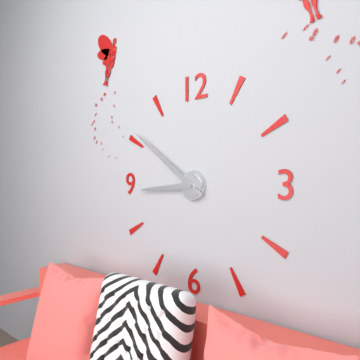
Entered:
8 h 51 min
